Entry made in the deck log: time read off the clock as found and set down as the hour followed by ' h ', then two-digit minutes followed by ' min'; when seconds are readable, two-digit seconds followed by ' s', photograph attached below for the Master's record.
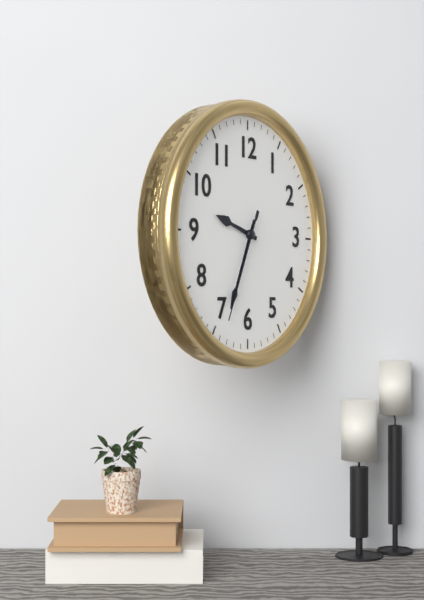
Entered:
9 h 34 min 34 s
